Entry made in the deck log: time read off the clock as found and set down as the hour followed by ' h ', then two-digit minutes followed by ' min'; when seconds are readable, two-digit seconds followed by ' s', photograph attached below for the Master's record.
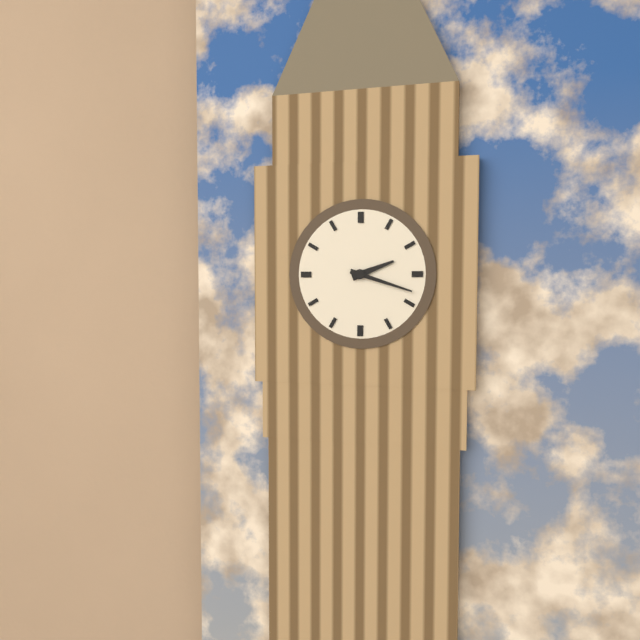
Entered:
2 h 18 min
